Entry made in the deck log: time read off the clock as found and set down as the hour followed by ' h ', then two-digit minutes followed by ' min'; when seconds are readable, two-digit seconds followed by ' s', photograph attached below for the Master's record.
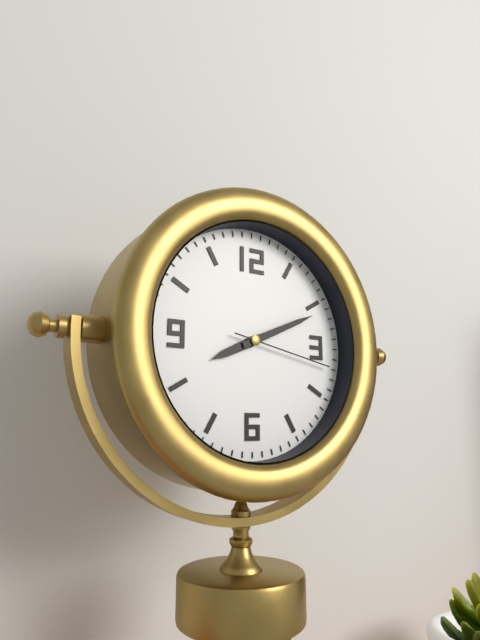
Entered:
8 h 11 min 17 s
